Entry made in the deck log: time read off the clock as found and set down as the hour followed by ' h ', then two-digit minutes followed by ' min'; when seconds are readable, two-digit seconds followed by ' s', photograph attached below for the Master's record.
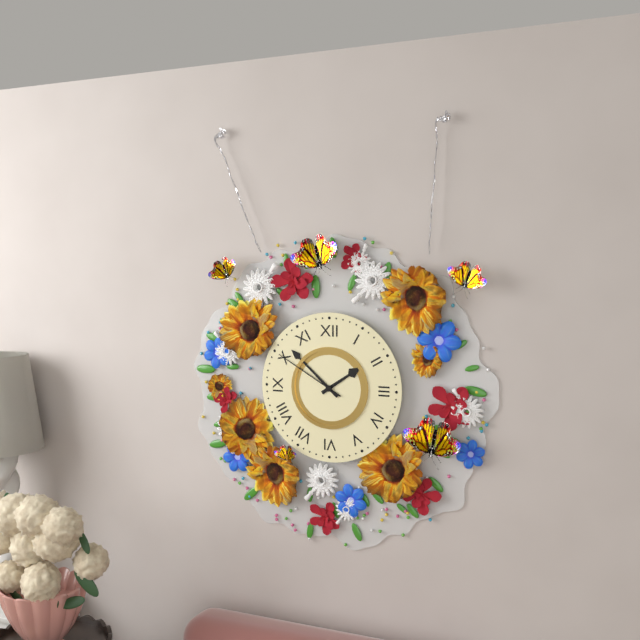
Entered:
1 h 52 min 50 s
